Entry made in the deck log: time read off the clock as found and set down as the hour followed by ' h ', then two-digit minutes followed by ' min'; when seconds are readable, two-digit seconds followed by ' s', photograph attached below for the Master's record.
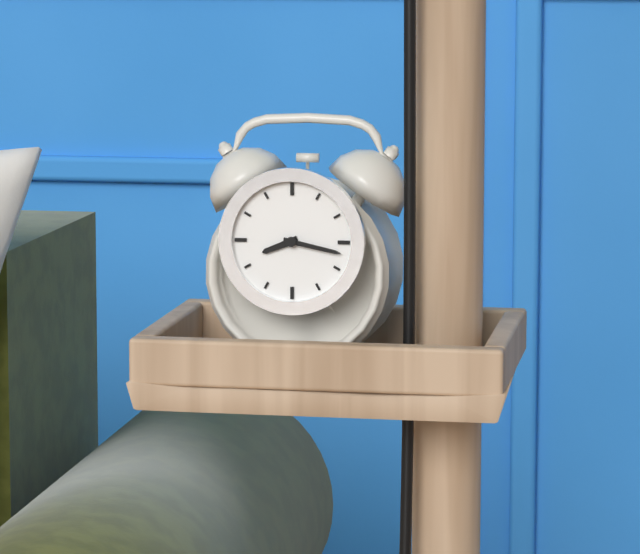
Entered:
8 h 17 min
